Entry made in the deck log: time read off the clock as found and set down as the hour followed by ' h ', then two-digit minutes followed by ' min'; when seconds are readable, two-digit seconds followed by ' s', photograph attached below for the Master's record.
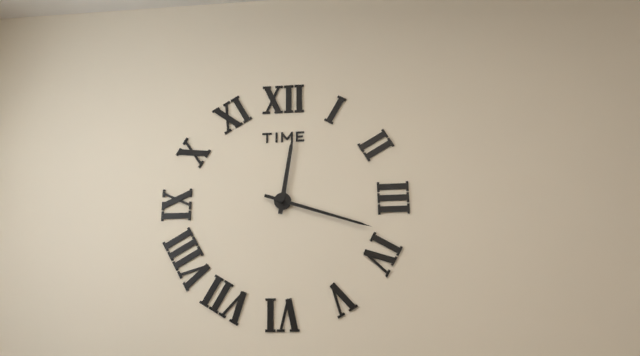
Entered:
12 h 18 min
